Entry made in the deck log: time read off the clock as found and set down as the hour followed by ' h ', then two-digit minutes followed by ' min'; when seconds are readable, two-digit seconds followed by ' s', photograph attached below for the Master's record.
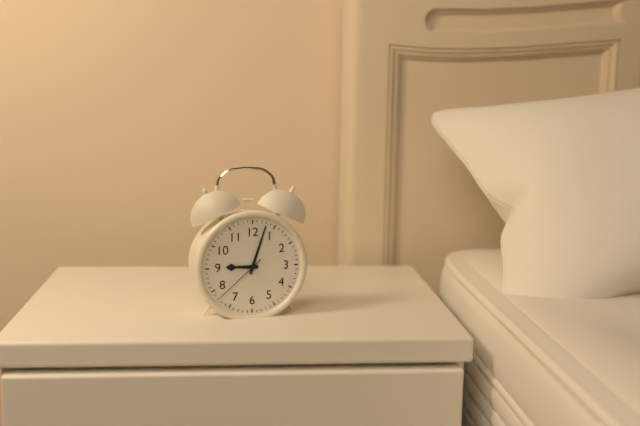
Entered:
9 h 03 min 38 s
